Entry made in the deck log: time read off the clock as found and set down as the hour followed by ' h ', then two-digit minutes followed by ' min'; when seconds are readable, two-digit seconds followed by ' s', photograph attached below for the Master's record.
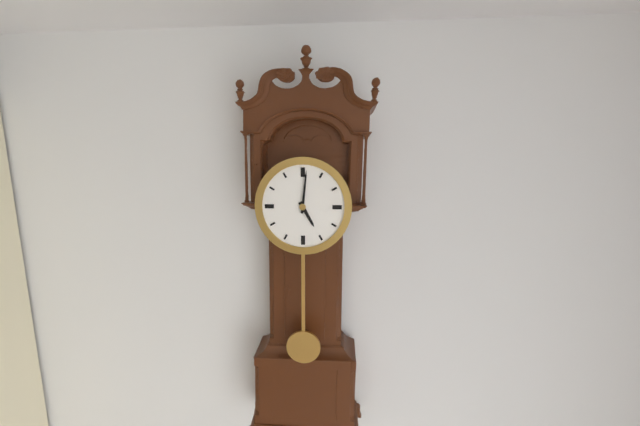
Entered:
5 h 01 min
